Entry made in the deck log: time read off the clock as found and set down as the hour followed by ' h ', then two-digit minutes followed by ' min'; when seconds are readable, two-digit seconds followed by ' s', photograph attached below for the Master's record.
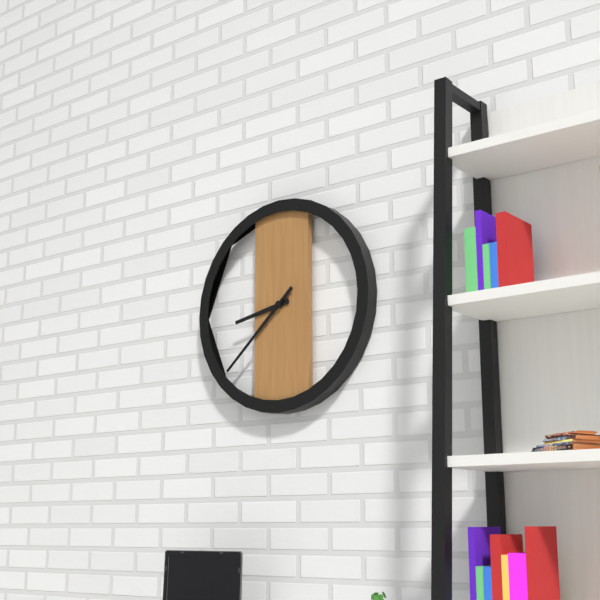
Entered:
8 h 38 min
